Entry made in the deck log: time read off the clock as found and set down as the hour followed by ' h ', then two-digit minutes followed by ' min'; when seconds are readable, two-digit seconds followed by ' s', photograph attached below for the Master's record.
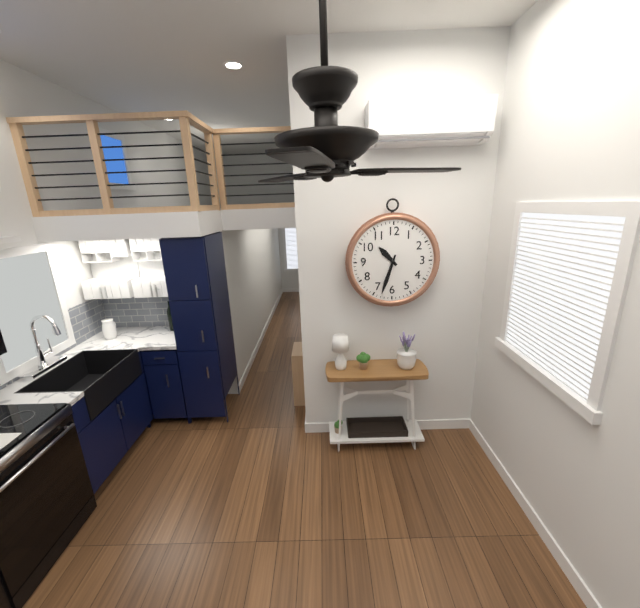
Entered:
10 h 33 min
